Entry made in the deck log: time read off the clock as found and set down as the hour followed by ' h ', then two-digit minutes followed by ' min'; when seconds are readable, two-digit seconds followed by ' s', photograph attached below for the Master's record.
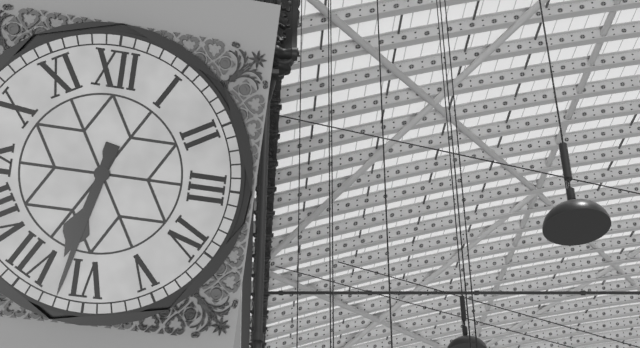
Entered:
6 h 32 min
